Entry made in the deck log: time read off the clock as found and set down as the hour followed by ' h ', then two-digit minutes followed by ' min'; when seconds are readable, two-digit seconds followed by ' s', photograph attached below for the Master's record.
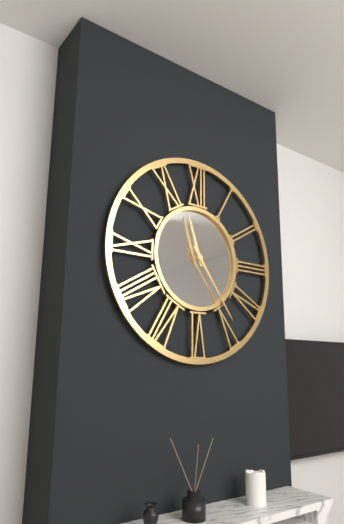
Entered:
11 h 24 min
